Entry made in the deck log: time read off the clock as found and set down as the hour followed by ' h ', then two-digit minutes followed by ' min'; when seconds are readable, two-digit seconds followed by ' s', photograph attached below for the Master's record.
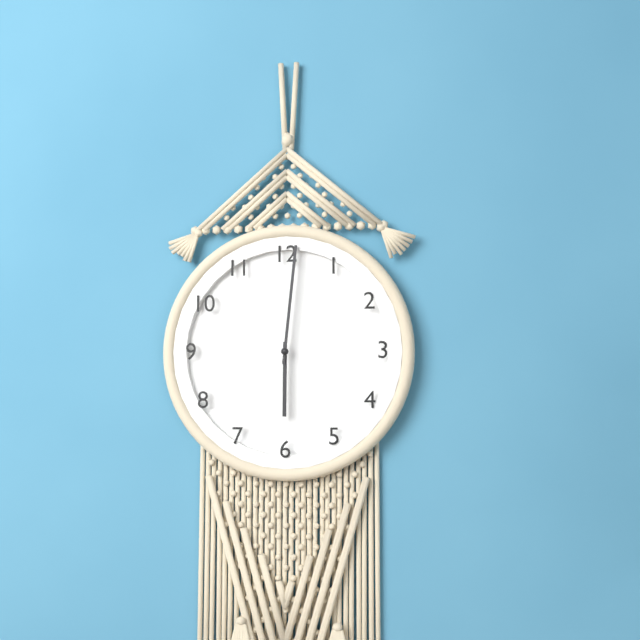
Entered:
6 h 01 min
